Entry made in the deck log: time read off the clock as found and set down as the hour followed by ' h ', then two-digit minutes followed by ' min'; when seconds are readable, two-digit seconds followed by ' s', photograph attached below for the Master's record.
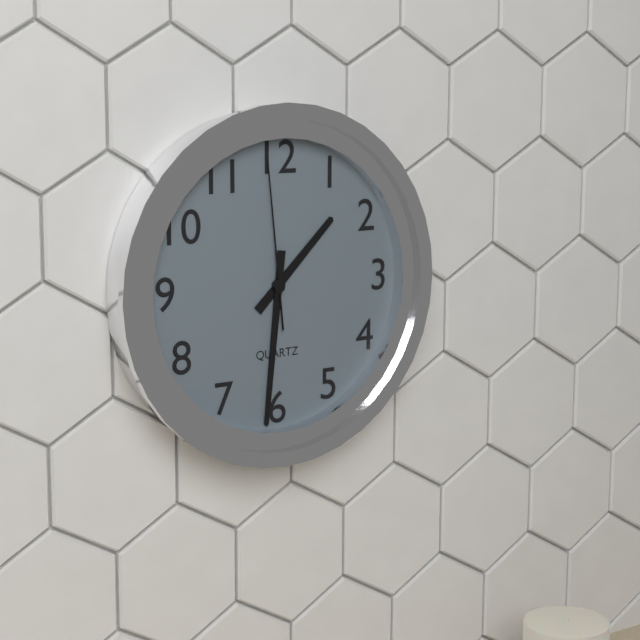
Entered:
1 h 31 min 59 s
